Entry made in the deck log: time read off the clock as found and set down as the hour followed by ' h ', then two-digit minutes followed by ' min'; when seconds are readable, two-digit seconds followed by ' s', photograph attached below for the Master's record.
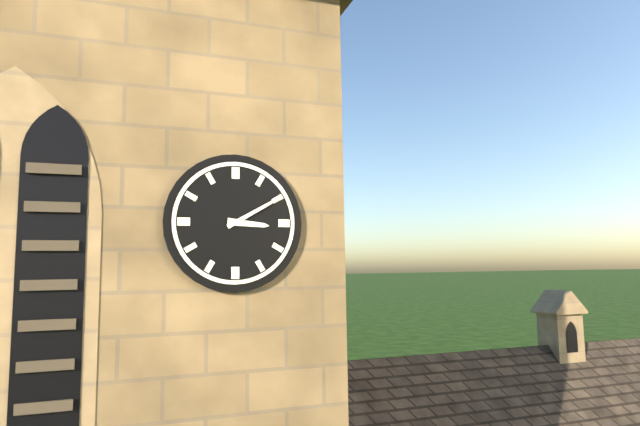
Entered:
3 h 10 min
